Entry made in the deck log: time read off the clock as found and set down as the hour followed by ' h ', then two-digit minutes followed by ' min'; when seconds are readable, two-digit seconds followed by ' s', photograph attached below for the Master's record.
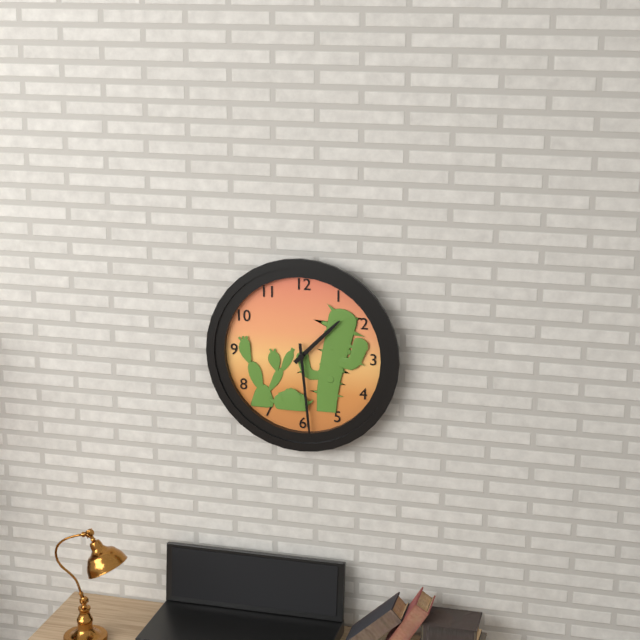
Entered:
1 h 29 min
